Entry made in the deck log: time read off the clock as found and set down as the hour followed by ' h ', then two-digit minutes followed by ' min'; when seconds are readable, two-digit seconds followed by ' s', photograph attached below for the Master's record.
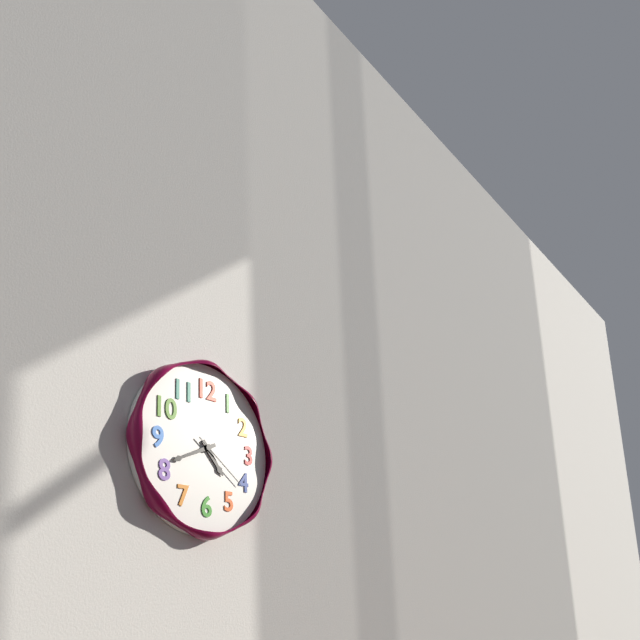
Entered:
4 h 41 min 21 s
